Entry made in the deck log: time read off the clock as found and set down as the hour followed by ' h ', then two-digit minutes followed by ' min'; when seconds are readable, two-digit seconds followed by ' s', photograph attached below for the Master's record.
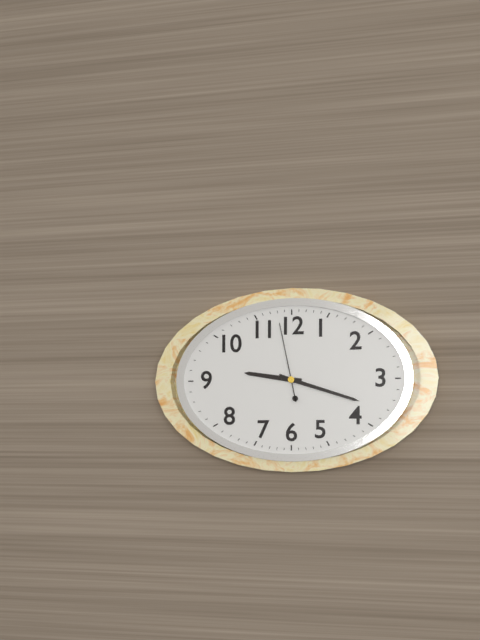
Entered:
9 h 18 min 58 s
